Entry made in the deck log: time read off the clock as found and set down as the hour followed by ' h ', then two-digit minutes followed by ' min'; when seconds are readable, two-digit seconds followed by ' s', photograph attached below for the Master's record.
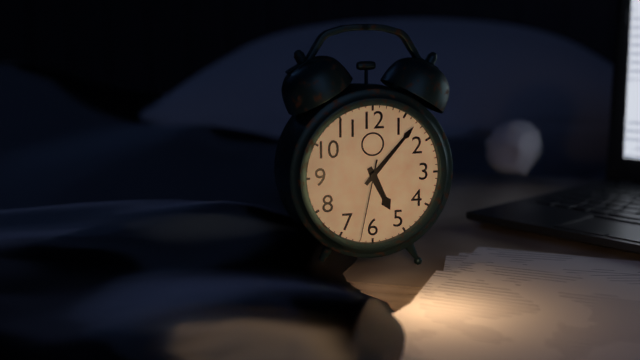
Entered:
5 h 07 min 32 s
